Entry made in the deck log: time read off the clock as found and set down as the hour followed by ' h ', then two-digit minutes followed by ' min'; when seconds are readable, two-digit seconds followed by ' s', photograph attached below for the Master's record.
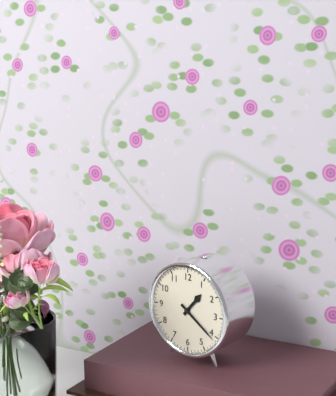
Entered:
1 h 21 min
